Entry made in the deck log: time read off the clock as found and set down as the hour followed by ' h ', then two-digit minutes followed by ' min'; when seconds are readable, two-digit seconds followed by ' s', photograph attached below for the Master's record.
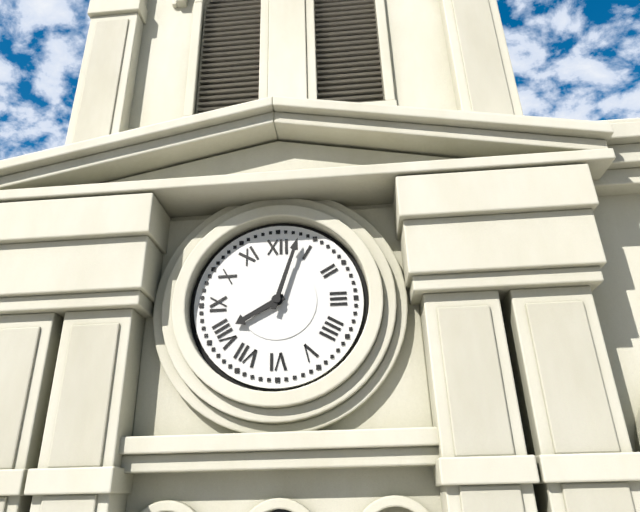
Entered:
8 h 03 min
